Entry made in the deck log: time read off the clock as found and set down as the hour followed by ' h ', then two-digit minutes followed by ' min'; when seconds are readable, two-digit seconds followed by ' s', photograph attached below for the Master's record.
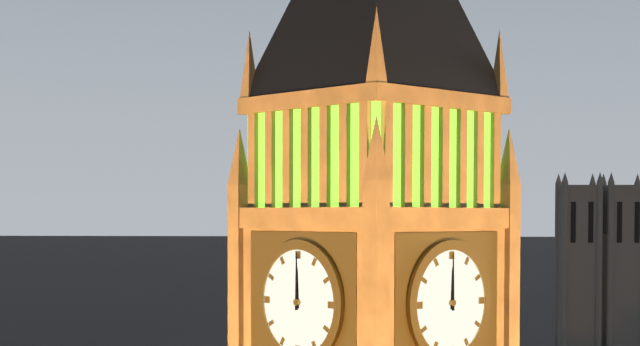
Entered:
12 h 00 min
